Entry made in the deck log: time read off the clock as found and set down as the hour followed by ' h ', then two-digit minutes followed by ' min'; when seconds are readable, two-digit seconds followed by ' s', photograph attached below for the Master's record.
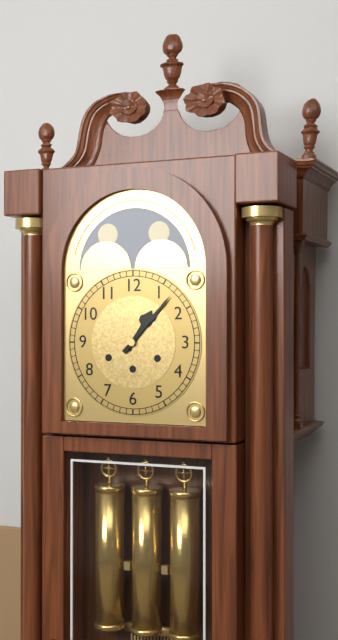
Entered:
1 h 07 min
